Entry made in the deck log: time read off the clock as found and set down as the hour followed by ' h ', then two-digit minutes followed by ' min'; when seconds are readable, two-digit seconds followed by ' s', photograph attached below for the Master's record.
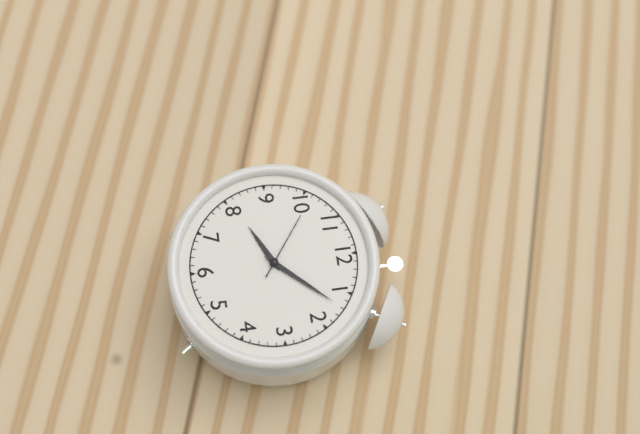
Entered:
8 h 07 min 51 s
